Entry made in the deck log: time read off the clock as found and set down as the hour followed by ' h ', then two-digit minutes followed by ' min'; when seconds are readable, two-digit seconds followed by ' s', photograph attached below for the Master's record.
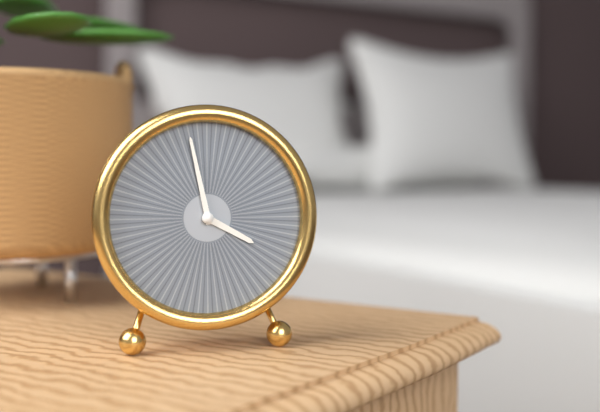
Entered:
3 h 58 min
